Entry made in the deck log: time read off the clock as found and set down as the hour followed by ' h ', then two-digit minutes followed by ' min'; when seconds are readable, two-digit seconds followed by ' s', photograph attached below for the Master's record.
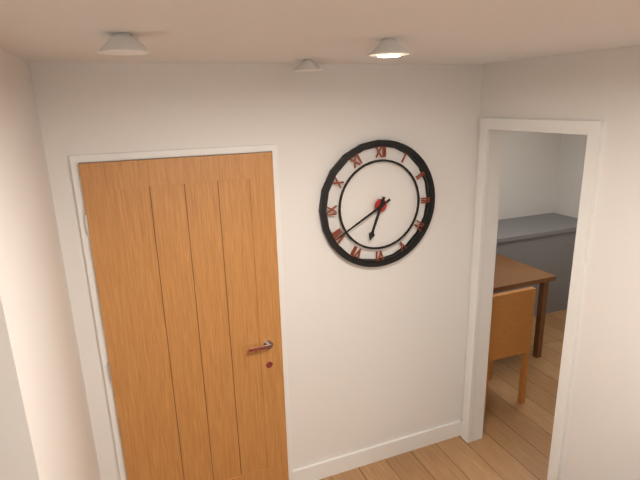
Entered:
6 h 40 min
